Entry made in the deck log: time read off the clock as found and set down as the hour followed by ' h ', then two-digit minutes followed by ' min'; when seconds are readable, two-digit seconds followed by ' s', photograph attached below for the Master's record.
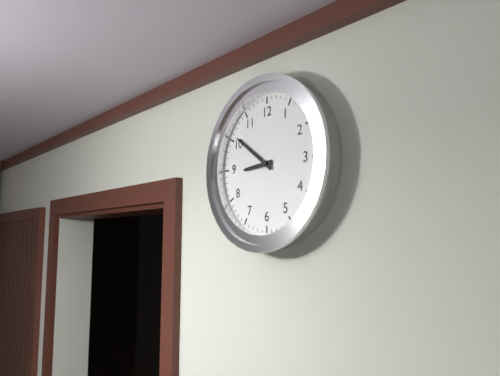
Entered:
8 h 51 min
